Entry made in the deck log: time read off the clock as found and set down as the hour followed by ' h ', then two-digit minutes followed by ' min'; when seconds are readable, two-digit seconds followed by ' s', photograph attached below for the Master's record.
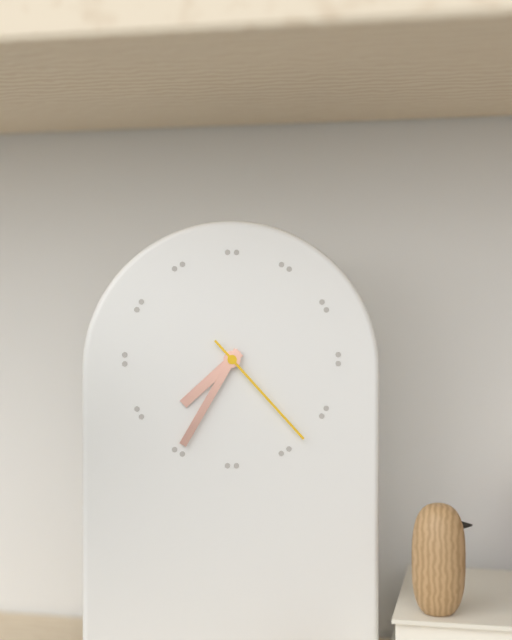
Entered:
7 h 35 min 23 s
